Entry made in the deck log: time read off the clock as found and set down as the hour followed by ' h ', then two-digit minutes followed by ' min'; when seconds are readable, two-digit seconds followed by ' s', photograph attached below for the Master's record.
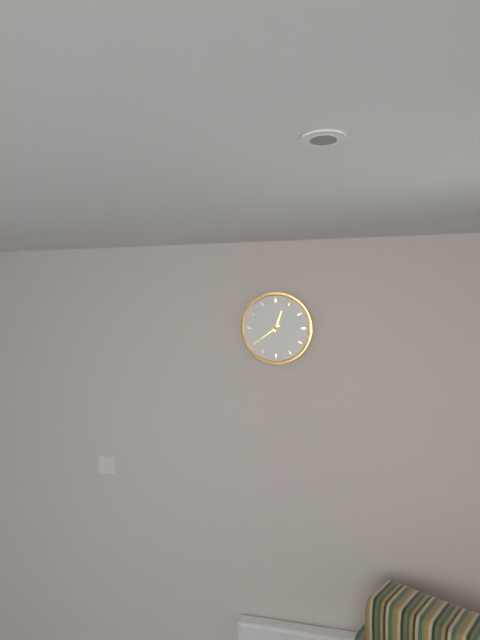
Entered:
12 h 39 min
